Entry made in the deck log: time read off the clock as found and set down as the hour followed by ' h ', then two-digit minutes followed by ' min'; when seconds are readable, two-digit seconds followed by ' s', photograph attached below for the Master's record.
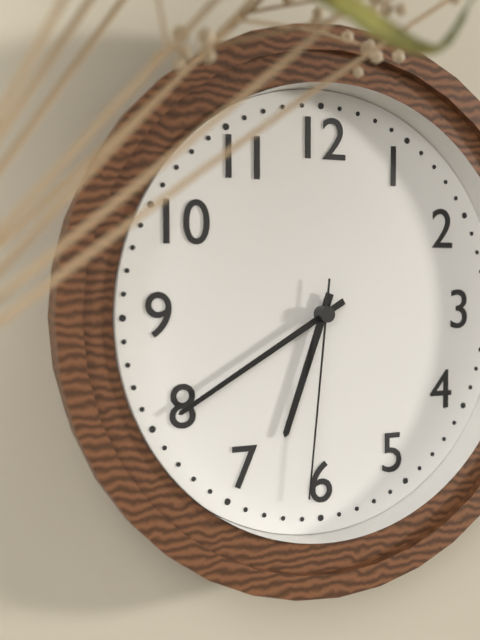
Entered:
6 h 40 min 31 s
